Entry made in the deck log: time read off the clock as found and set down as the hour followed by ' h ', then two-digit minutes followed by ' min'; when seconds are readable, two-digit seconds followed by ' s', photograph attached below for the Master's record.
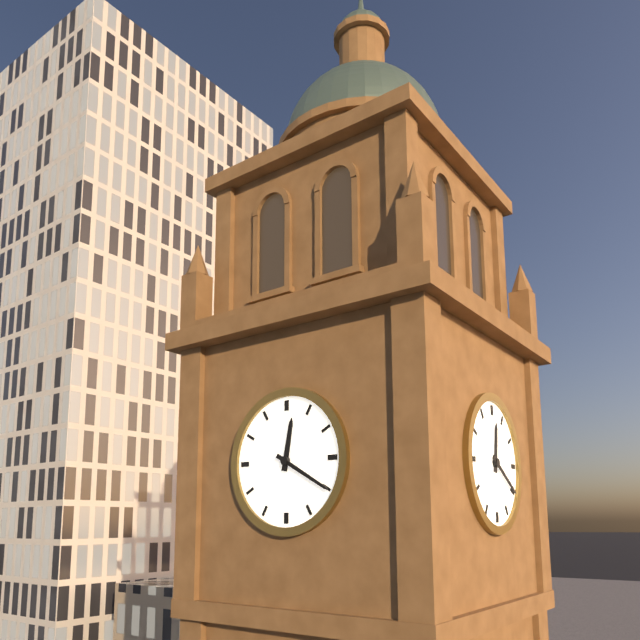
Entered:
12 h 20 min
